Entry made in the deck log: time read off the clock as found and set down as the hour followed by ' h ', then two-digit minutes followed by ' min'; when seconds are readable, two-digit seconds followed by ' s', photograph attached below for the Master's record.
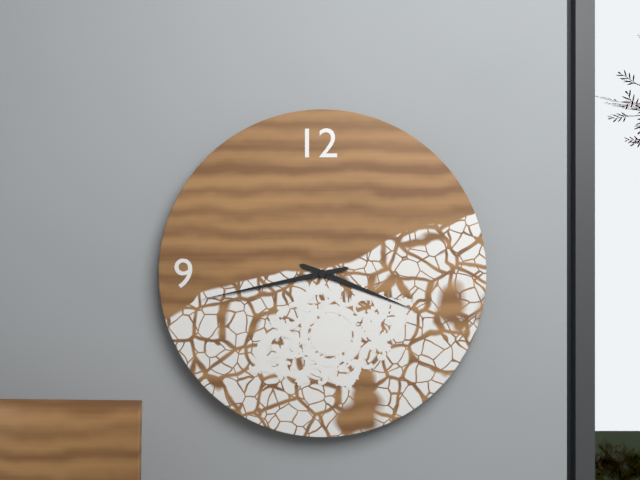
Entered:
3 h 43 min
